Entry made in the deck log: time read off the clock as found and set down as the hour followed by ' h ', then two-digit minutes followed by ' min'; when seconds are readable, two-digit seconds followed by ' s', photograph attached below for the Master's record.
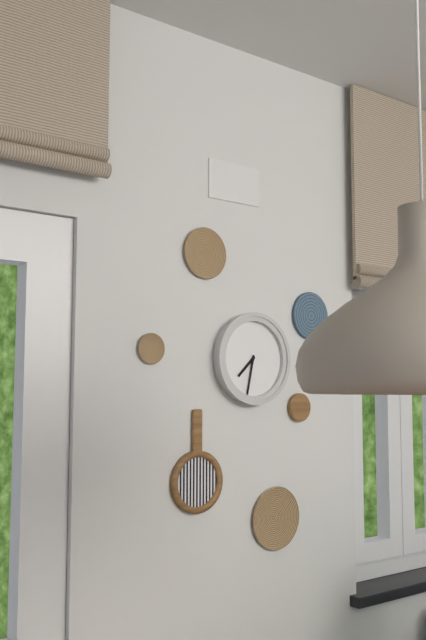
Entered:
7 h 32 min
